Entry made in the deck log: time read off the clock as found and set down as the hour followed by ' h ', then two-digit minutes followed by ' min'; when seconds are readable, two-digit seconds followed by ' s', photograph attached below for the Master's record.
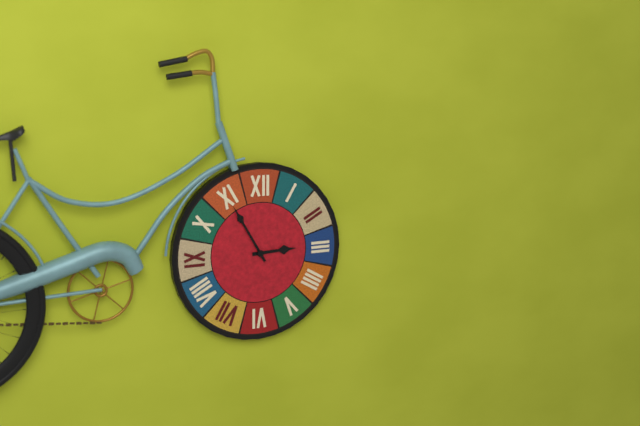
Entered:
2 h 55 min
